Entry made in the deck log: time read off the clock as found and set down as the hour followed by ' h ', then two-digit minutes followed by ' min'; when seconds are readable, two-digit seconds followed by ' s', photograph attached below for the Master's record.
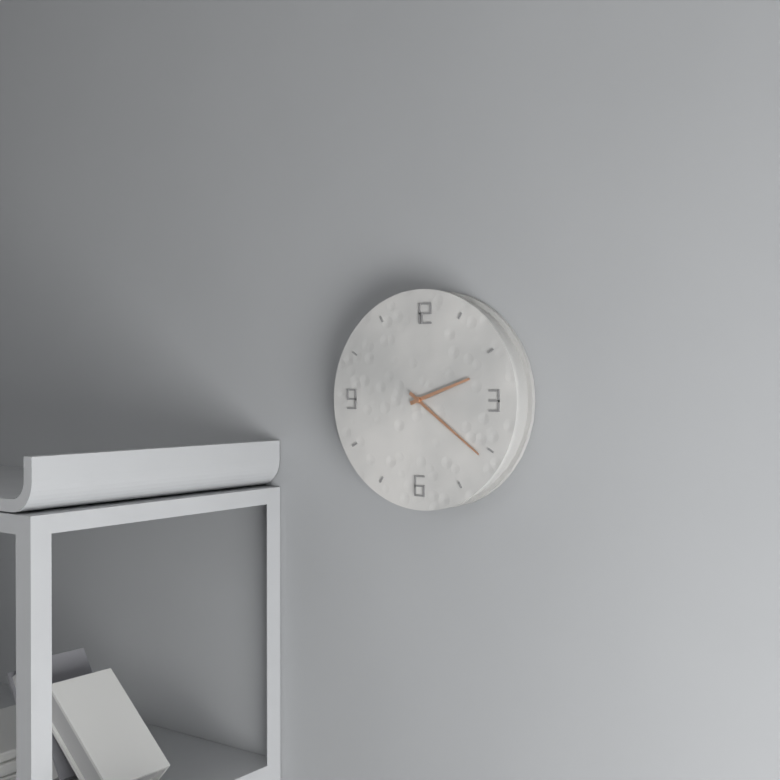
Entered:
2 h 21 min
